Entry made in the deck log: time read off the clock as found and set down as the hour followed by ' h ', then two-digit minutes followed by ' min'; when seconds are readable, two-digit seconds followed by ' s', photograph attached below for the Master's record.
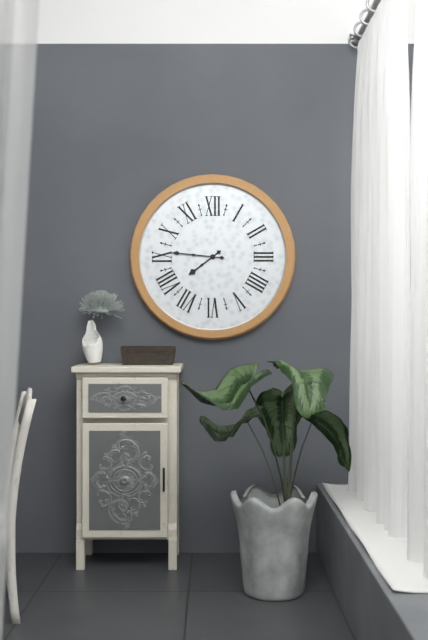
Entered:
7 h 46 min
